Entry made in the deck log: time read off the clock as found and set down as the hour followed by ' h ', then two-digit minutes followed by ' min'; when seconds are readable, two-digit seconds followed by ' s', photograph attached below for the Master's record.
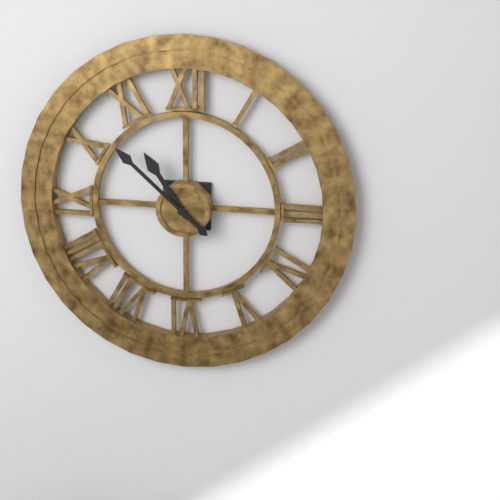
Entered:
10 h 52 min
